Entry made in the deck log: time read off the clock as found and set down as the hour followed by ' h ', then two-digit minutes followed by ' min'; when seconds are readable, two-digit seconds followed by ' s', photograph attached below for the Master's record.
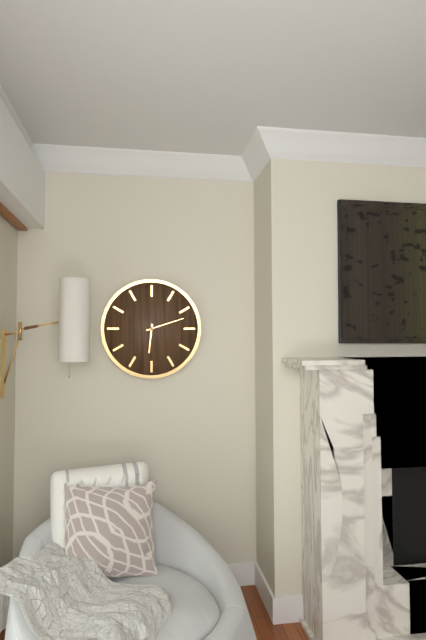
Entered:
6 h 12 min
